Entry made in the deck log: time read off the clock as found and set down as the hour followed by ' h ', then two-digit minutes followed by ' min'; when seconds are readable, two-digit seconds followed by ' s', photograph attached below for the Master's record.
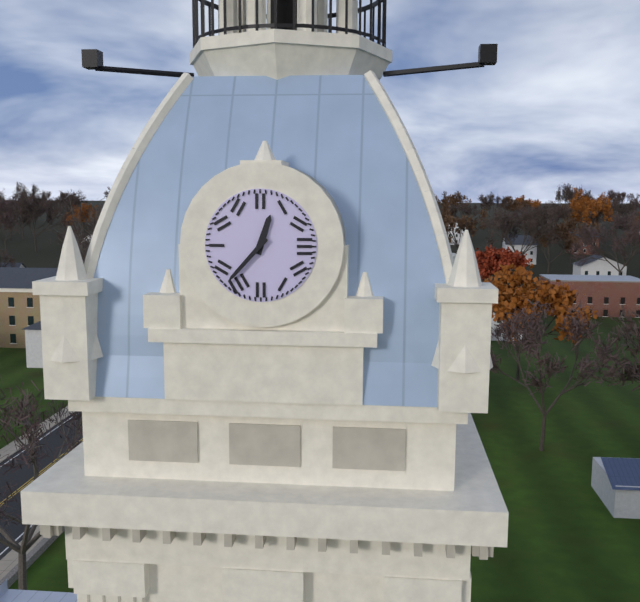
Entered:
12 h 37 min
